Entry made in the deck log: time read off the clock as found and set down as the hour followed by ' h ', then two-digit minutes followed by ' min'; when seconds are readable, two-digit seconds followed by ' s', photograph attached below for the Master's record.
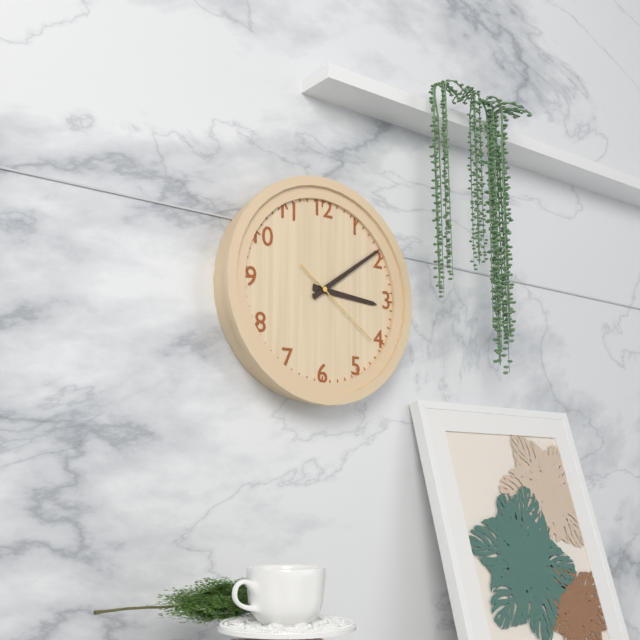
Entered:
3 h 09 min 21 s
